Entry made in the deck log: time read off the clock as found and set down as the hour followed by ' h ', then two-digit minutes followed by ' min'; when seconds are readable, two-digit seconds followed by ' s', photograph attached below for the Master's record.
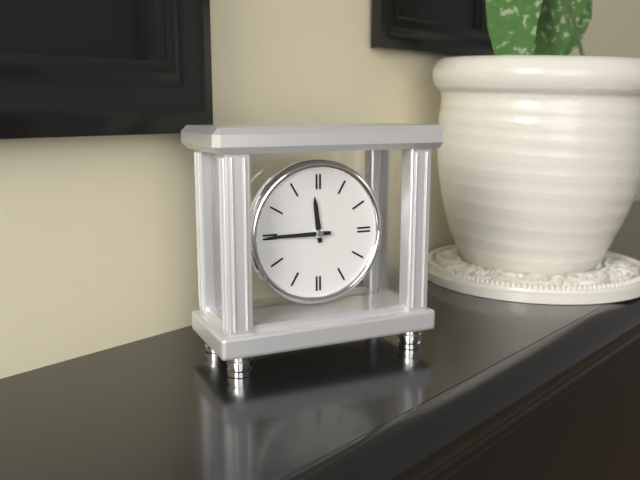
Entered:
11 h 45 min
